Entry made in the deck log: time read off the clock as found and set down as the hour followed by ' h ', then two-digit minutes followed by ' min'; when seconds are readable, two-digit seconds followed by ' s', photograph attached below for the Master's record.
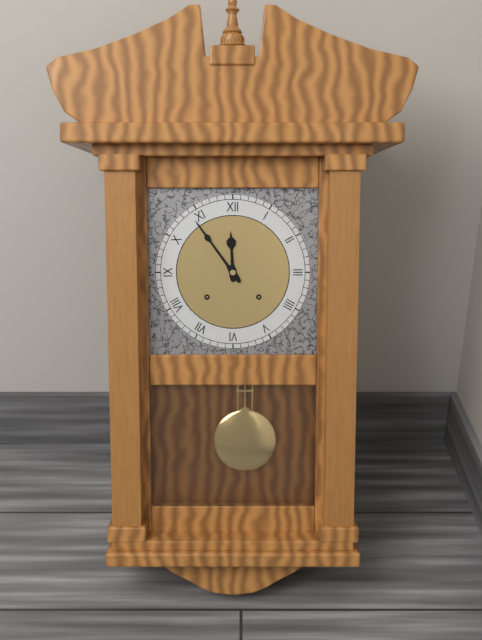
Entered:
11 h 54 min
